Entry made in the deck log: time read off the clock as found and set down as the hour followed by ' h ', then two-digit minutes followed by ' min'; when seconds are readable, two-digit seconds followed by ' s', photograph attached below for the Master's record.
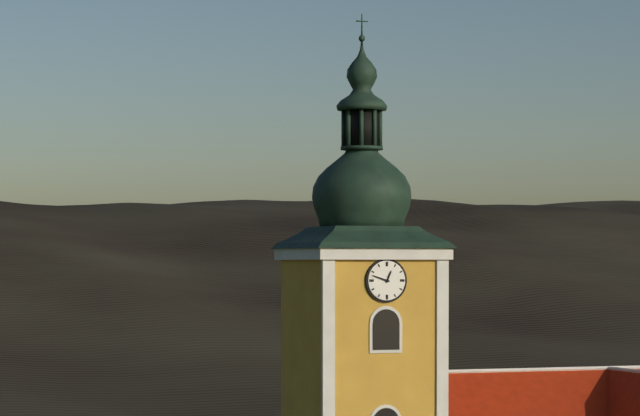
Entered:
12 h 48 min
